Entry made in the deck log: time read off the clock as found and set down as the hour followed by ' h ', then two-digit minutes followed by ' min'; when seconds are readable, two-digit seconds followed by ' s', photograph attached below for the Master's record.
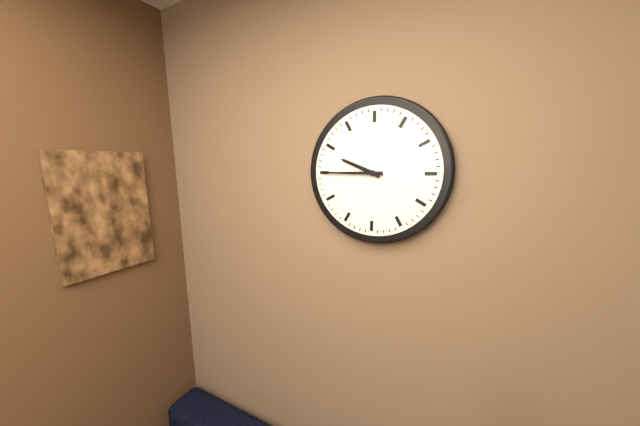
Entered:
9 h 45 min
